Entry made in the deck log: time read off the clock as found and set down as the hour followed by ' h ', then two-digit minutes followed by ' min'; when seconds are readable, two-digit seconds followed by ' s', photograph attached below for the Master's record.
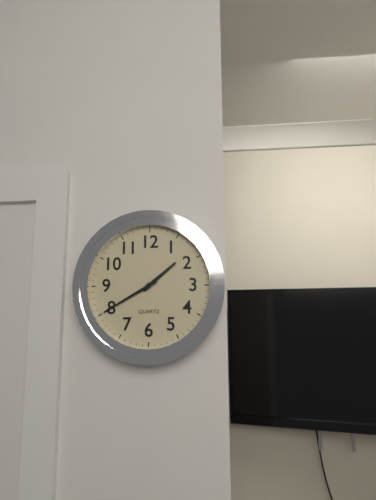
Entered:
1 h 40 min
